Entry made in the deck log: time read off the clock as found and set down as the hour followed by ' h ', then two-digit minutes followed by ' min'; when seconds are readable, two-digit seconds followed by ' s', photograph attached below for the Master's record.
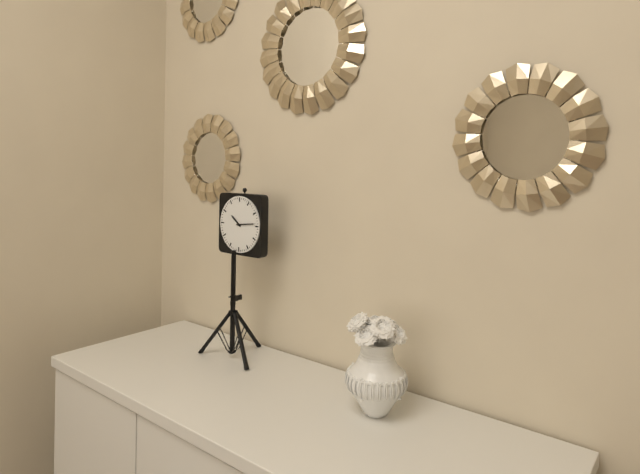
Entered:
10 h 14 min
